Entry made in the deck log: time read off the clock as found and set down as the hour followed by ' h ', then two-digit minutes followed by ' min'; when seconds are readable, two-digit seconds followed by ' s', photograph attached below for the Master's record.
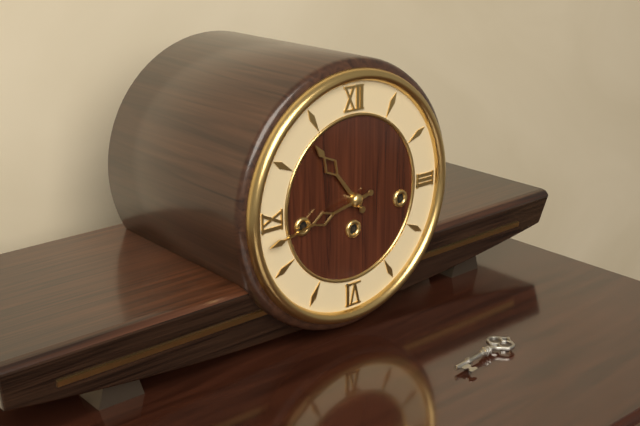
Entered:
10 h 43 min
